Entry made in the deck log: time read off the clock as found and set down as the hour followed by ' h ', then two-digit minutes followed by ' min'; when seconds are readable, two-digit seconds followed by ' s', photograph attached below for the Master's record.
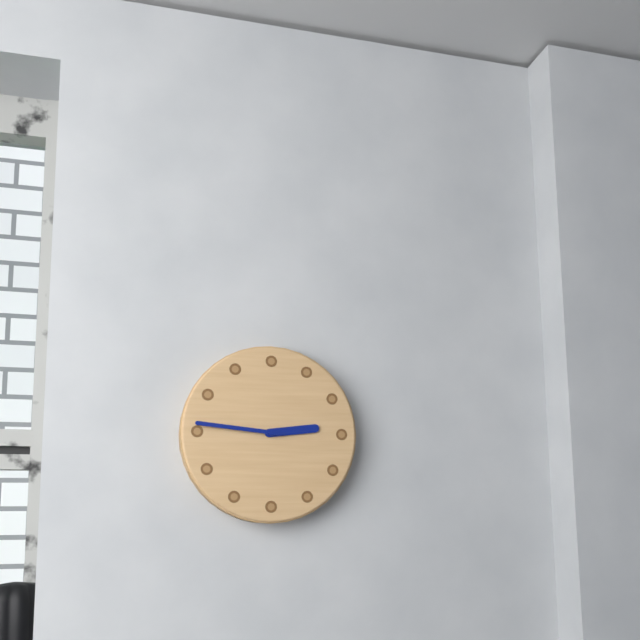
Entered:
2 h 46 min
